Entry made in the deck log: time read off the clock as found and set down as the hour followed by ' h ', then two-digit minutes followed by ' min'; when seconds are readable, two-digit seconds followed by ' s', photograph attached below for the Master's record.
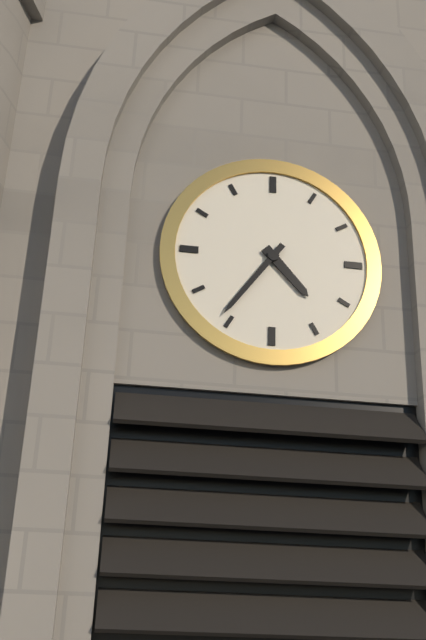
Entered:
4 h 36 min
